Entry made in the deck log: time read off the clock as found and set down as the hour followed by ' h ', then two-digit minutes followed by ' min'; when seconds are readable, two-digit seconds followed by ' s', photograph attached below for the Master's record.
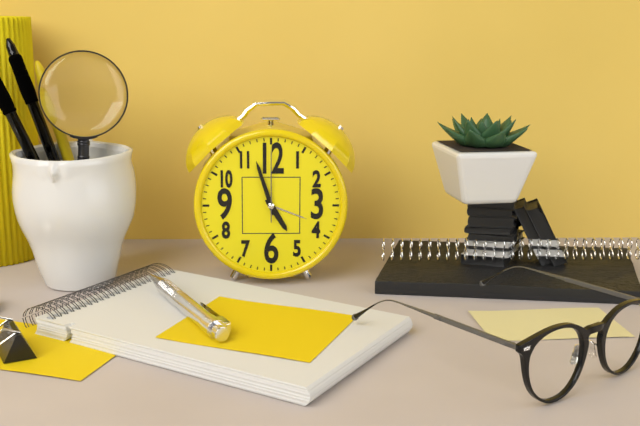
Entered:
4 h 57 min 00 s
